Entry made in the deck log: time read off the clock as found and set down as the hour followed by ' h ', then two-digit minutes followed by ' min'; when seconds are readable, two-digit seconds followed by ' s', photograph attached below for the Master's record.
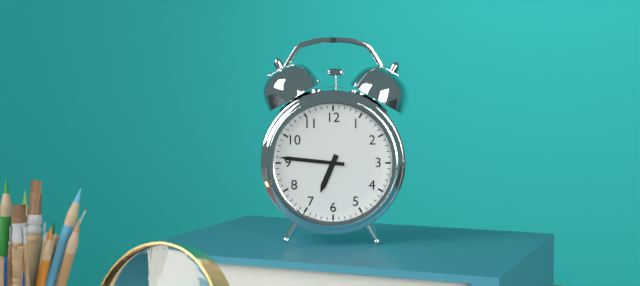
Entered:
6 h 46 min
